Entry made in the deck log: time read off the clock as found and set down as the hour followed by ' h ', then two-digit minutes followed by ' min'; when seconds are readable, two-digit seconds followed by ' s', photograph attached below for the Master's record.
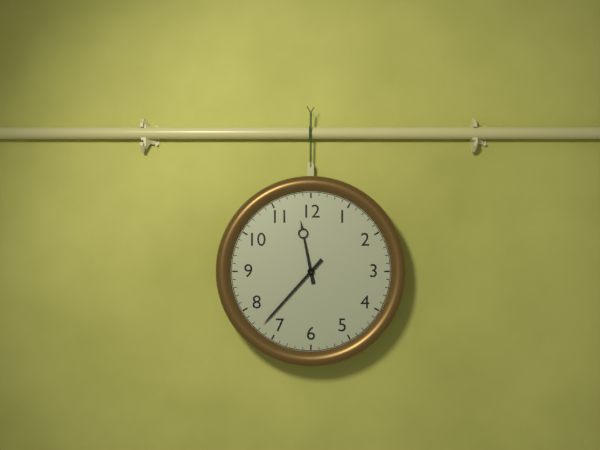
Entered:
11 h 37 min
